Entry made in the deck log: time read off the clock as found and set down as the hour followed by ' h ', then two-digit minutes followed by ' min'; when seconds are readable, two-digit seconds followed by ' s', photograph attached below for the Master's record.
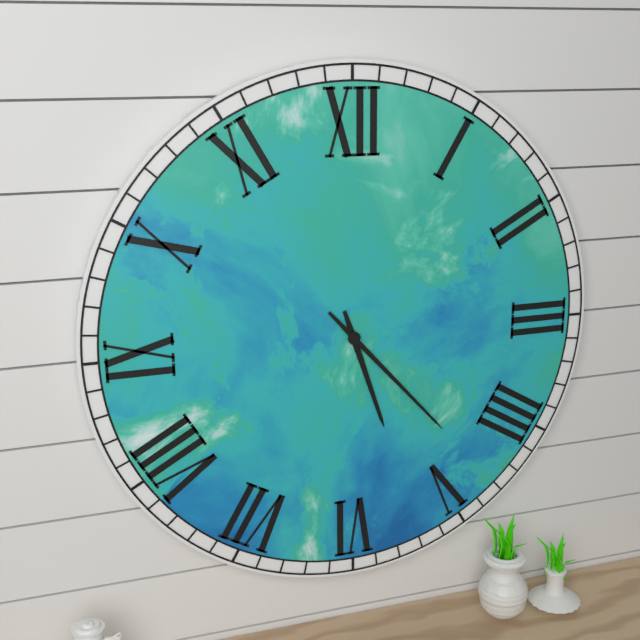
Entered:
5 h 23 min
